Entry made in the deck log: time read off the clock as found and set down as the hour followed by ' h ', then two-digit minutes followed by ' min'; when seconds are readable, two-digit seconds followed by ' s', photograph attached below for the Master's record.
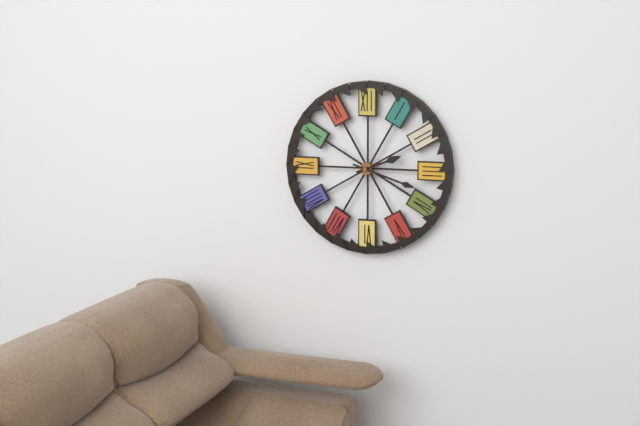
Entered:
2 h 18 min
